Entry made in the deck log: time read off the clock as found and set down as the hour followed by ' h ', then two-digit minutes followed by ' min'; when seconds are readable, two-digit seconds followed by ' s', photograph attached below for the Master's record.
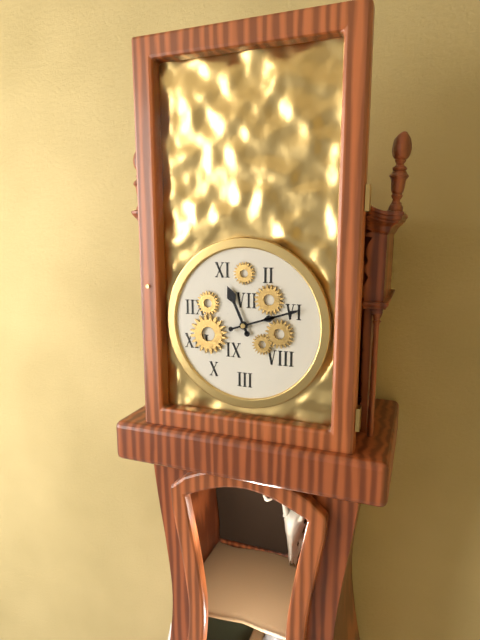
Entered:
11 h 12 min
